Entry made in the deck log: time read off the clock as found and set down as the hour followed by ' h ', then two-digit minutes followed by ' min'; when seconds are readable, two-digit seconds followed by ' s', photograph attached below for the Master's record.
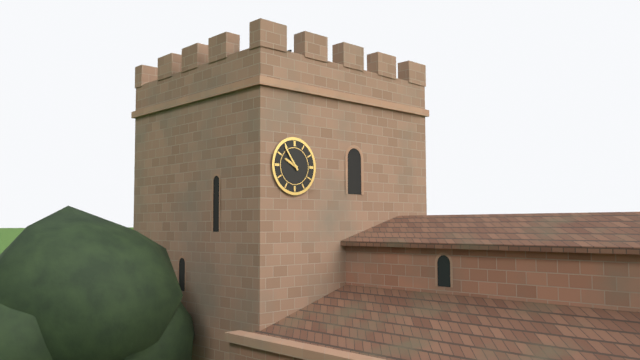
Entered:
9 h 54 min
